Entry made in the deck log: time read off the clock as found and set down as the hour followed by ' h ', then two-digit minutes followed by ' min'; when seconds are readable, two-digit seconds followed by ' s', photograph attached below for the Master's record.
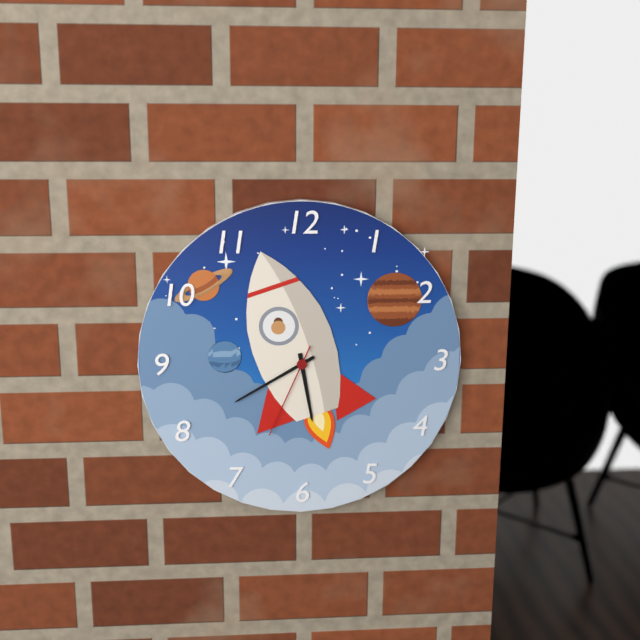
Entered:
5 h 40 min 34 s
